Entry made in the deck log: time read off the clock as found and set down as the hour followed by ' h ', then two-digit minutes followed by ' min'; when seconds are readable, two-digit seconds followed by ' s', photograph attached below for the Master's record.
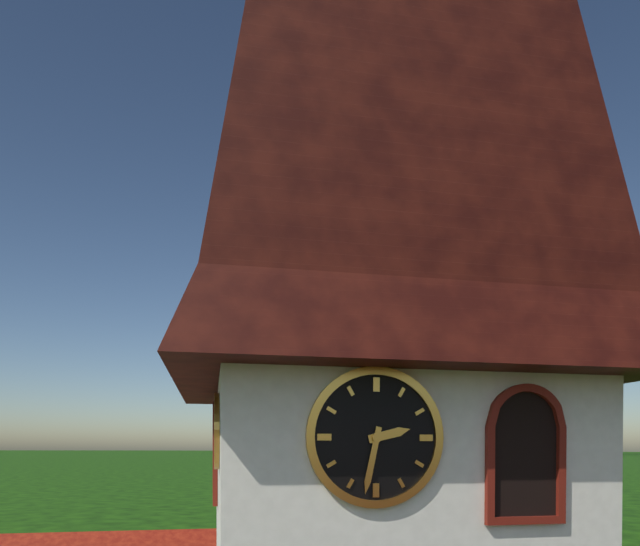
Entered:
2 h 32 min
